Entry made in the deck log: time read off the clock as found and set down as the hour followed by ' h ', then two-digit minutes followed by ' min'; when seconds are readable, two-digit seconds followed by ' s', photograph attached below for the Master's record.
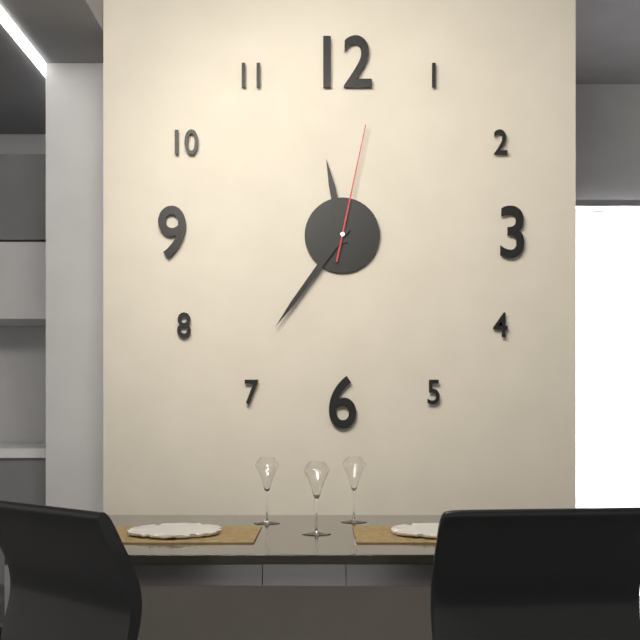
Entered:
11 h 36 min 02 s
